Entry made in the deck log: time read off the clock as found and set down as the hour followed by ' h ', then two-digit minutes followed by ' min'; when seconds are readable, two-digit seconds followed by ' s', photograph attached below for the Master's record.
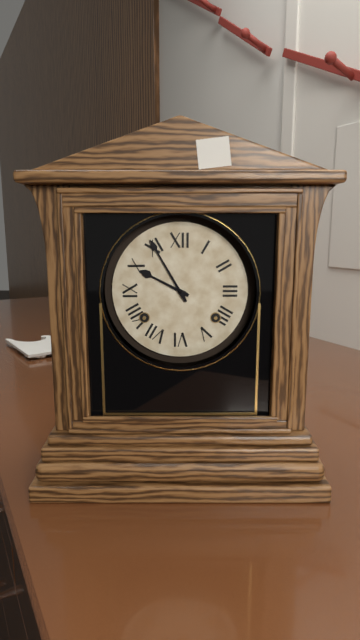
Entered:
9 h 55 min
